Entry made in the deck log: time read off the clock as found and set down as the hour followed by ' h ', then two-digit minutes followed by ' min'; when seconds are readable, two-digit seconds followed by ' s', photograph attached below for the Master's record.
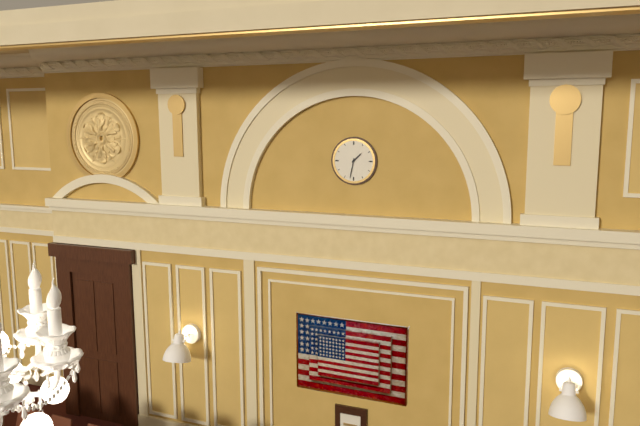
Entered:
1 h 32 min
